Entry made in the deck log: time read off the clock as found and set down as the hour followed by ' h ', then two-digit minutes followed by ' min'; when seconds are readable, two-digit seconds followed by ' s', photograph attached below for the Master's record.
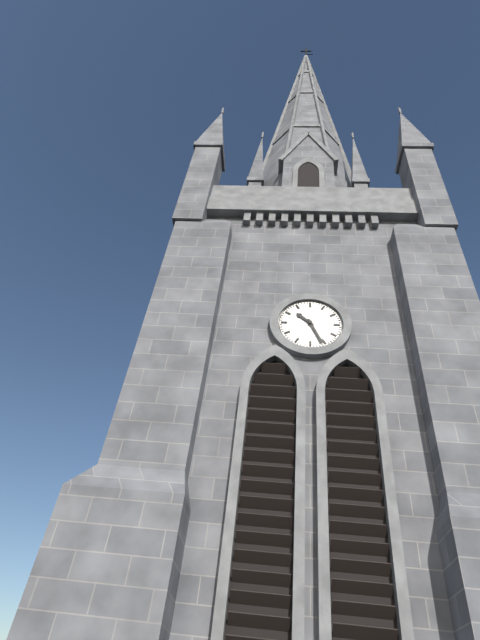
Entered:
10 h 26 min
